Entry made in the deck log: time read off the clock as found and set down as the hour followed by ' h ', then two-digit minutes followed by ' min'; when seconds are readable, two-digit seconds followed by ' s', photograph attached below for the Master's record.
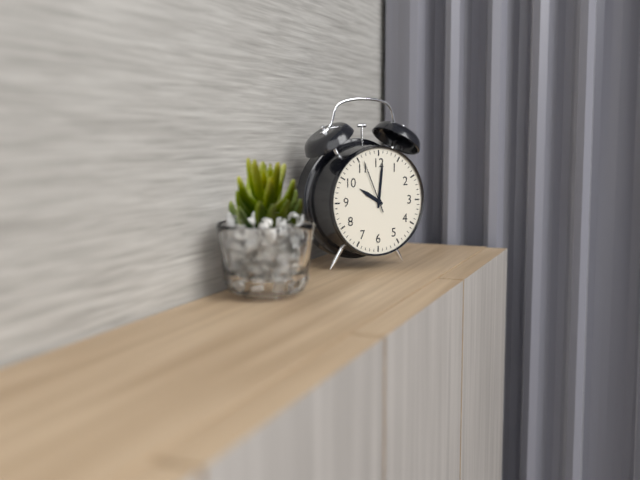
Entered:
10 h 01 min
